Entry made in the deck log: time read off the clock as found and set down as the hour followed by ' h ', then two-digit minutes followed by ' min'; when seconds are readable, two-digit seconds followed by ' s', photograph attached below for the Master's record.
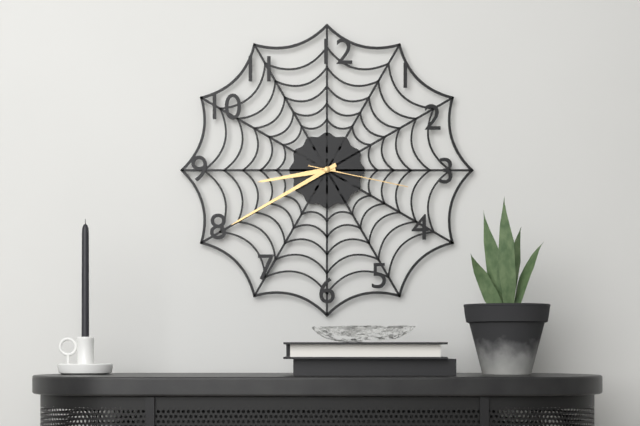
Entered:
8 h 40 min 17 s
